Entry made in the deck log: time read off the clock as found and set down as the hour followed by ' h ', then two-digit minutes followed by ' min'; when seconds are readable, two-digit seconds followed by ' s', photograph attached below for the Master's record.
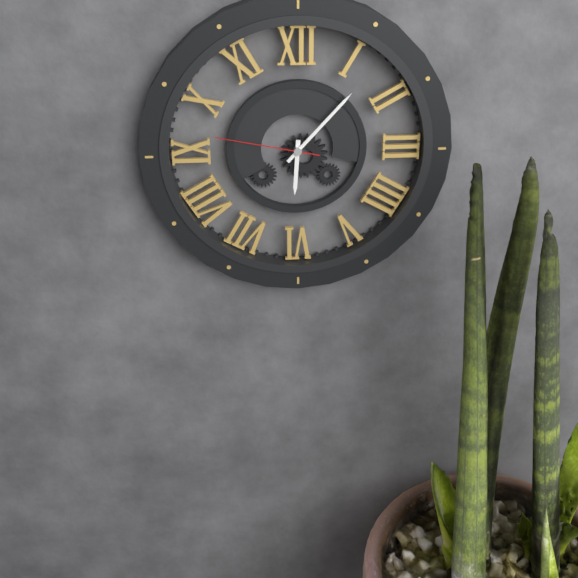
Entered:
6 h 07 min 47 s
